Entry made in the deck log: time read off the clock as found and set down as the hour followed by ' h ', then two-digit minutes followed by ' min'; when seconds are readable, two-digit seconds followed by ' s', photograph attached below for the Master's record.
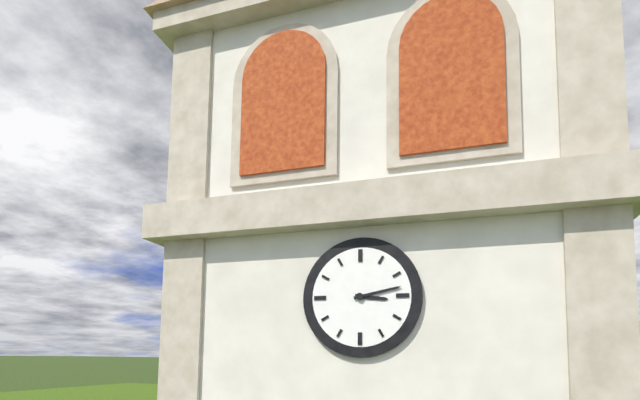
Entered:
3 h 13 min
